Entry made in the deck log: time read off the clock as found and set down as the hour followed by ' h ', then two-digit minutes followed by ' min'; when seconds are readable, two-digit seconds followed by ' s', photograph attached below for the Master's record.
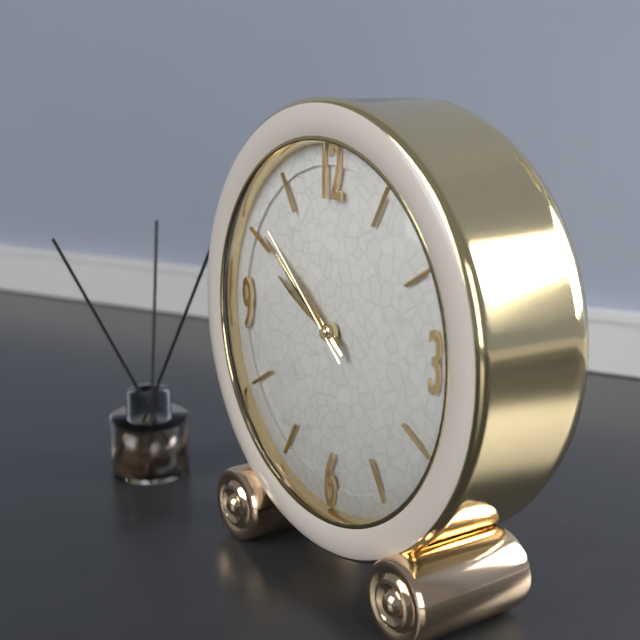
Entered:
9 h 51 min 52 s
